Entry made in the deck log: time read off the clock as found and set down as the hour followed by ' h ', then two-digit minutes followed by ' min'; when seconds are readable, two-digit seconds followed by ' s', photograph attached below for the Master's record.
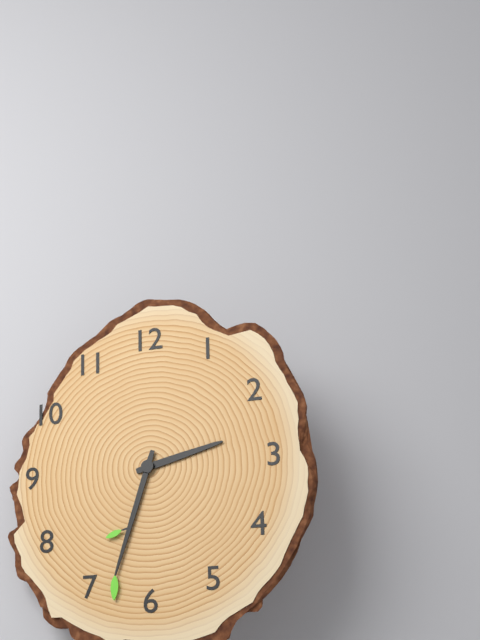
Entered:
2 h 33 min
